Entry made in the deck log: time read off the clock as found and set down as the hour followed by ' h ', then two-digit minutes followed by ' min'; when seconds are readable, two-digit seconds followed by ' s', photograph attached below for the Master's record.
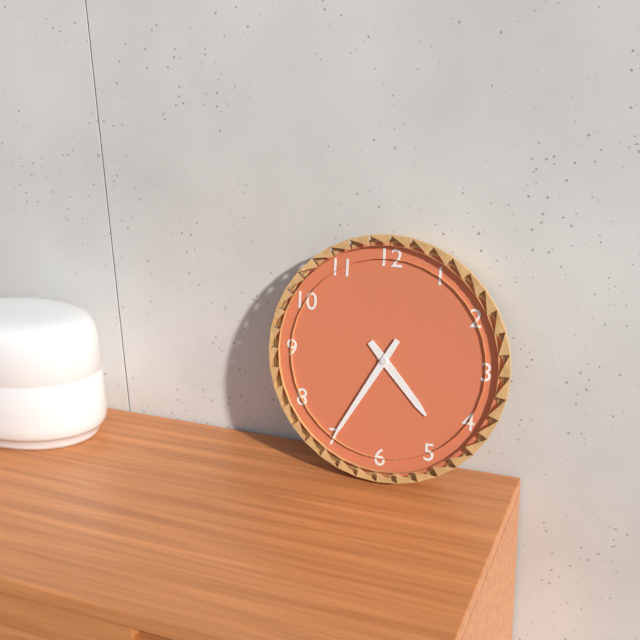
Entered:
4 h 35 min
